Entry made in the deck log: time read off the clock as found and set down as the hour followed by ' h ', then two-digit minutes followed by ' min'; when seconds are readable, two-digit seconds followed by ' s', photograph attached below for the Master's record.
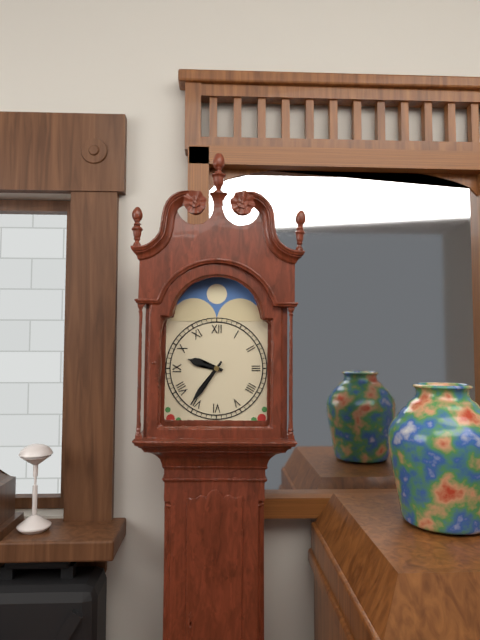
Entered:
9 h 36 min
